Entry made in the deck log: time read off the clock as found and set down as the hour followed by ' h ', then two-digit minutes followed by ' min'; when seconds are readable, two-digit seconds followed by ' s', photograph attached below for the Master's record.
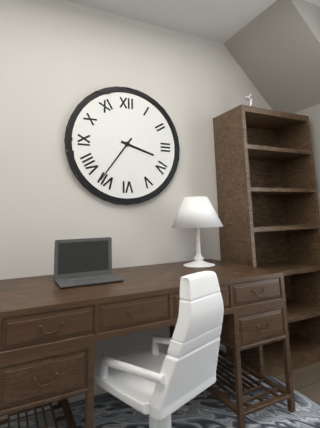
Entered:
3 h 36 min
